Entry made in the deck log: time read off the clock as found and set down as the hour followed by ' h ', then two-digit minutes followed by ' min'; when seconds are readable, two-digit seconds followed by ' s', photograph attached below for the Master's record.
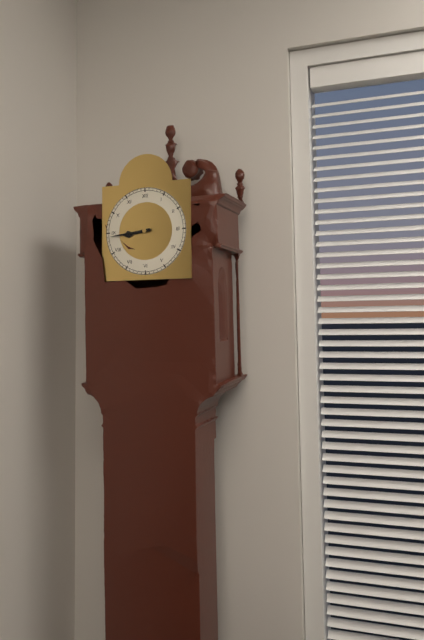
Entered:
8 h 44 min
